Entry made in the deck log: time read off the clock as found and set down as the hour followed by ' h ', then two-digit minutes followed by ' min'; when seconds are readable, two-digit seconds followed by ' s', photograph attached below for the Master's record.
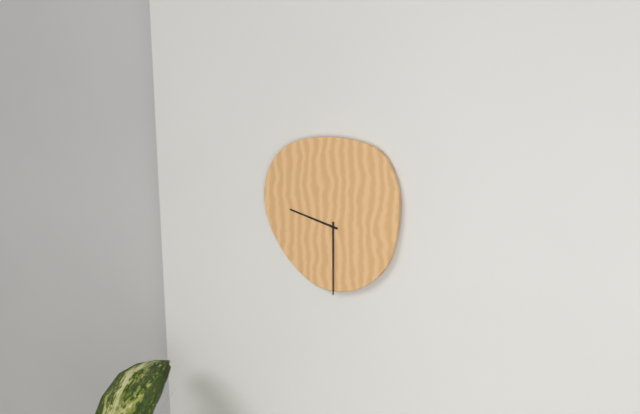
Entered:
9 h 30 min
